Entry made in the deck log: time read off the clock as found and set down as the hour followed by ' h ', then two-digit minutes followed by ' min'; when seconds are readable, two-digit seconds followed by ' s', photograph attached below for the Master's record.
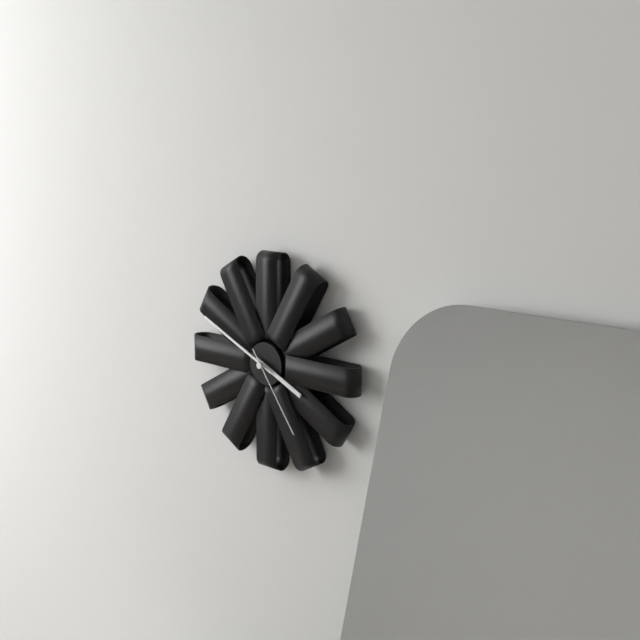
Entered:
3 h 49 min 24 s
